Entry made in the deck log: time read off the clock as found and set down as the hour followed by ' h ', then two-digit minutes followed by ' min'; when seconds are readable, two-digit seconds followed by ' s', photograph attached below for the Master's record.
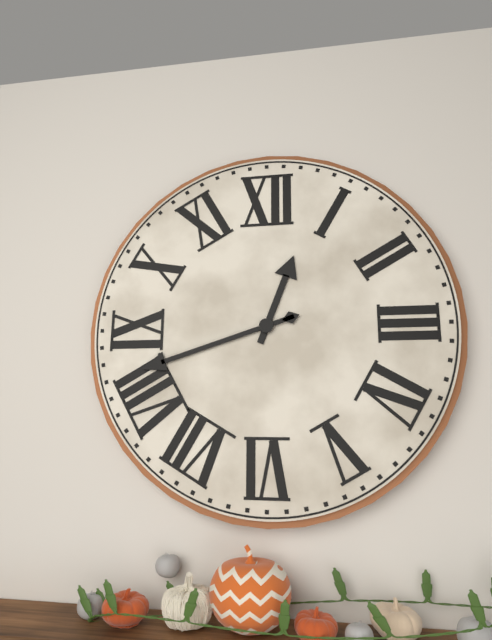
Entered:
12 h 42 min
